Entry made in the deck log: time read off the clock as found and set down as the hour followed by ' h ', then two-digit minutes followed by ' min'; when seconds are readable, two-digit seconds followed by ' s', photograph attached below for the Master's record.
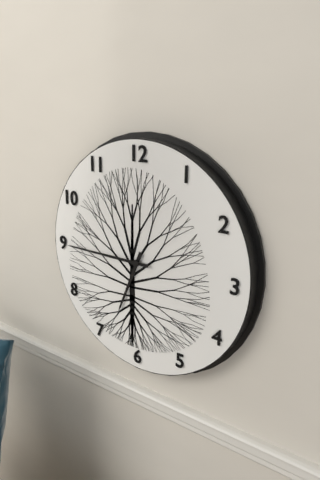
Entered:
6 h 45 min
